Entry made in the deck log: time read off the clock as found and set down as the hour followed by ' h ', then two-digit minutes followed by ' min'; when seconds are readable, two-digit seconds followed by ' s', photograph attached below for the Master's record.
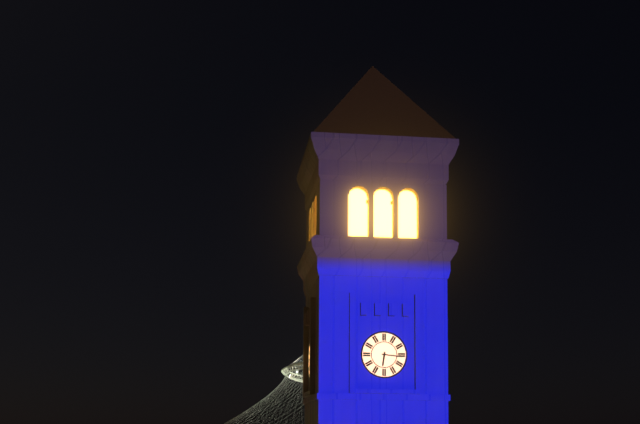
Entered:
6 h 16 min
